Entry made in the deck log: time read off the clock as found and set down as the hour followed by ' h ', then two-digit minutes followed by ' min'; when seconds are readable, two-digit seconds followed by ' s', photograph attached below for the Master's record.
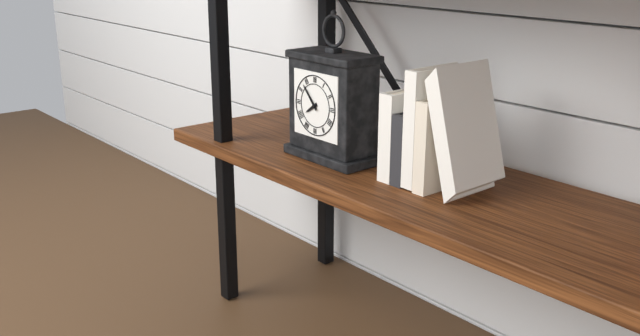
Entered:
7 h 53 min
